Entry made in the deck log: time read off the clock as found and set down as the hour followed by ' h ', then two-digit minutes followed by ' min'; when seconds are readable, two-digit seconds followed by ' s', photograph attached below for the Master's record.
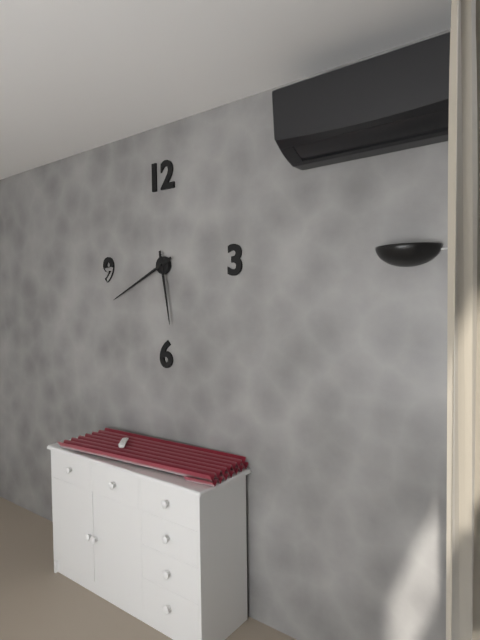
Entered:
5 h 41 min
